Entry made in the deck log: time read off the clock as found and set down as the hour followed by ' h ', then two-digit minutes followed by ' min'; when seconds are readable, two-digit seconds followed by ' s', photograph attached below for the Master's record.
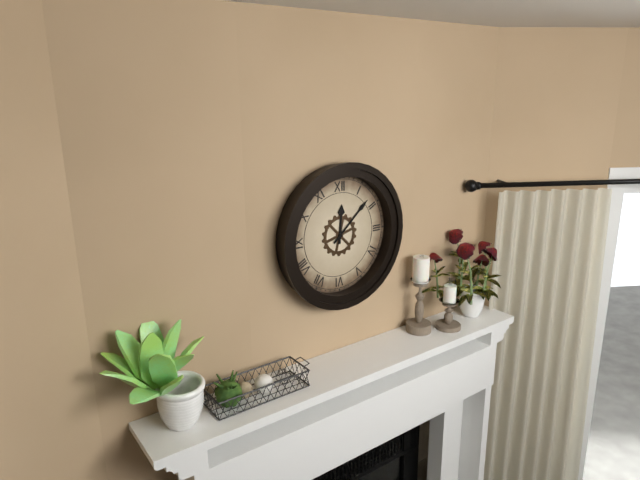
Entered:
12 h 08 min
